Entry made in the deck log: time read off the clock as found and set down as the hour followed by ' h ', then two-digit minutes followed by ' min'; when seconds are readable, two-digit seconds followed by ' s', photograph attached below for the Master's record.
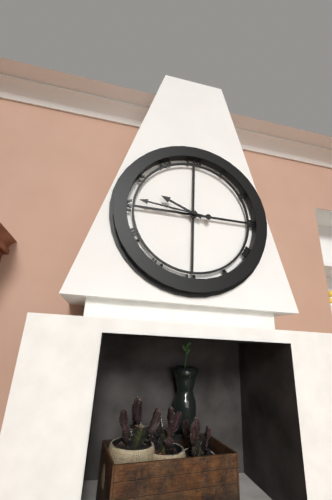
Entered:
9 h 46 min
